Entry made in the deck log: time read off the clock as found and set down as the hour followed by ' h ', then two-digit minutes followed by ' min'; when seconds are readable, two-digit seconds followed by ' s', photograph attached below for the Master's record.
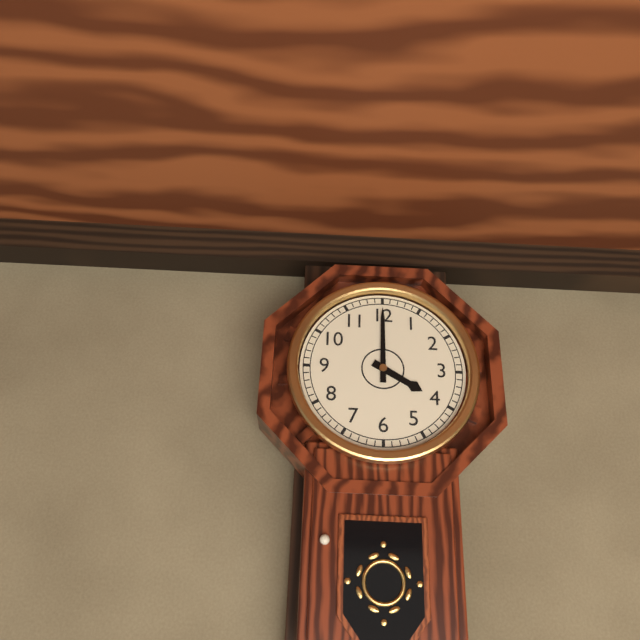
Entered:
4 h 00 min
